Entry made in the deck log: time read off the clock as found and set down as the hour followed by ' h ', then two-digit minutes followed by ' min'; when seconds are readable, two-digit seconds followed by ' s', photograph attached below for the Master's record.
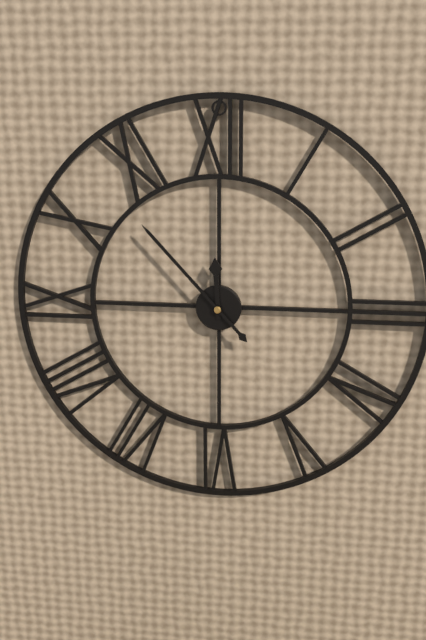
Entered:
11 h 53 min
